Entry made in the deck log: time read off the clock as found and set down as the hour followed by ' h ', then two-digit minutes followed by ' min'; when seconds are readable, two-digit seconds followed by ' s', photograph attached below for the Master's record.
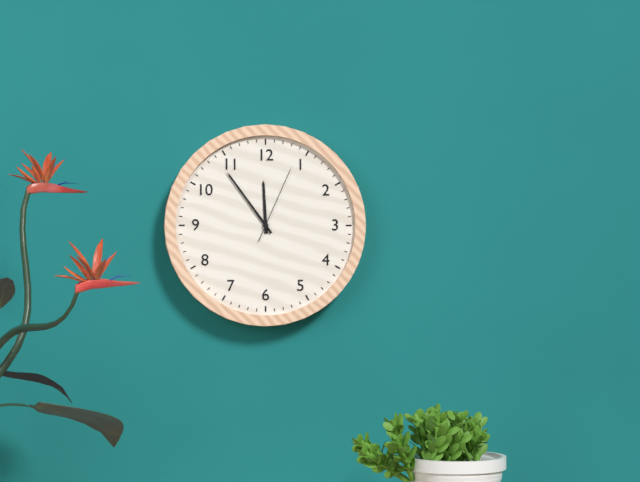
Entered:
11 h 54 min 04 s
